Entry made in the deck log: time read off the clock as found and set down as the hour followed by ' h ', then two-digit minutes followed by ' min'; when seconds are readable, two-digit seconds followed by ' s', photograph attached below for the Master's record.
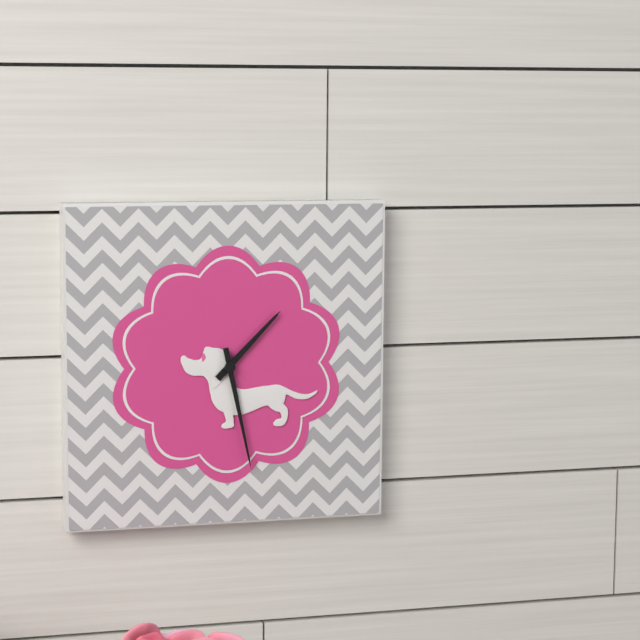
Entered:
1 h 28 min
